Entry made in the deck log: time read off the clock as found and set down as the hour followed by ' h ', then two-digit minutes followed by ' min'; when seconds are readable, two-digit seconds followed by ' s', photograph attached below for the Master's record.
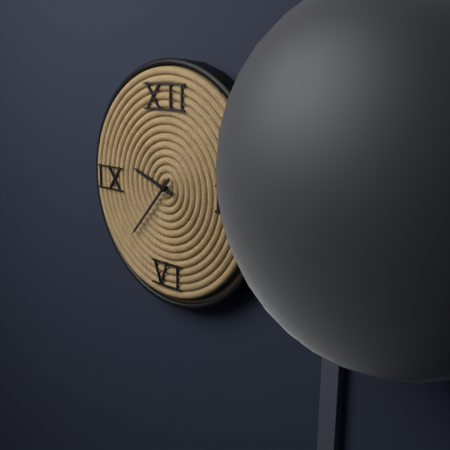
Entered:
9 h 37 min
